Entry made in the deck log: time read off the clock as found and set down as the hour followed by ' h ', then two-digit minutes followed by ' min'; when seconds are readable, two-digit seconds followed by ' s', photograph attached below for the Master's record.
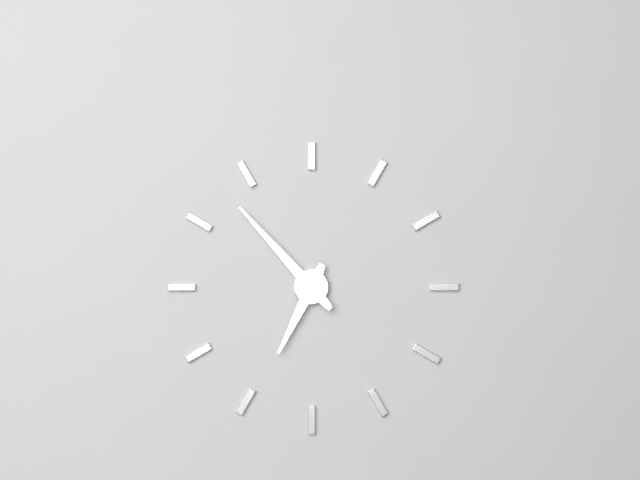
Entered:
6 h 53 min
